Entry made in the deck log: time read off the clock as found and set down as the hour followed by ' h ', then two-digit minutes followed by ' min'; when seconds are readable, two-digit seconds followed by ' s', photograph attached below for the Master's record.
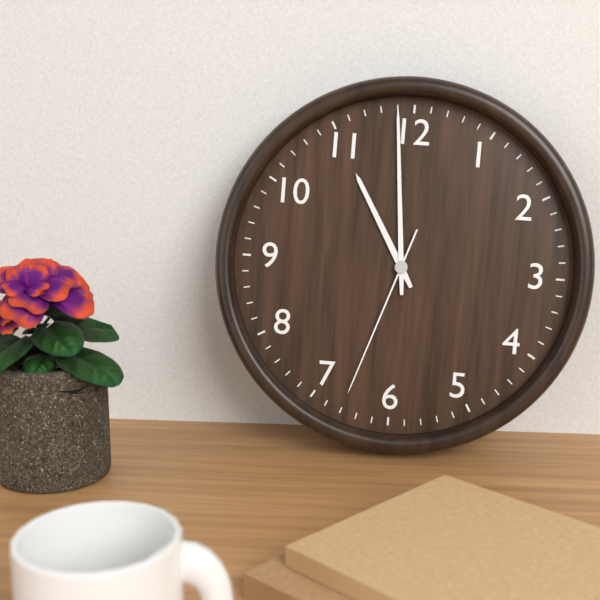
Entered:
10 h 59 min 33 s
